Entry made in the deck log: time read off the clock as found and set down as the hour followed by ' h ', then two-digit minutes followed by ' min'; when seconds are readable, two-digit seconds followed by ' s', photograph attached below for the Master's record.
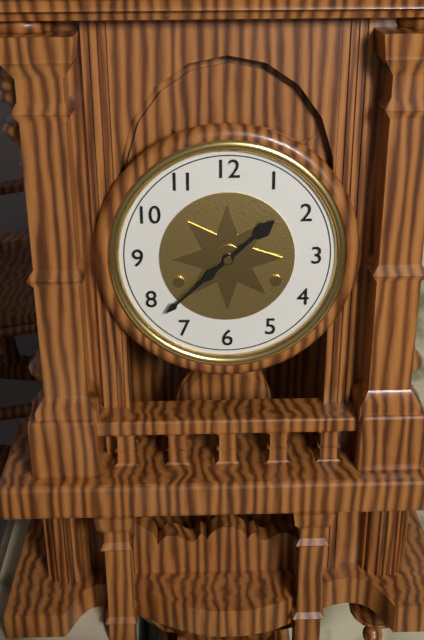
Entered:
1 h 38 min
